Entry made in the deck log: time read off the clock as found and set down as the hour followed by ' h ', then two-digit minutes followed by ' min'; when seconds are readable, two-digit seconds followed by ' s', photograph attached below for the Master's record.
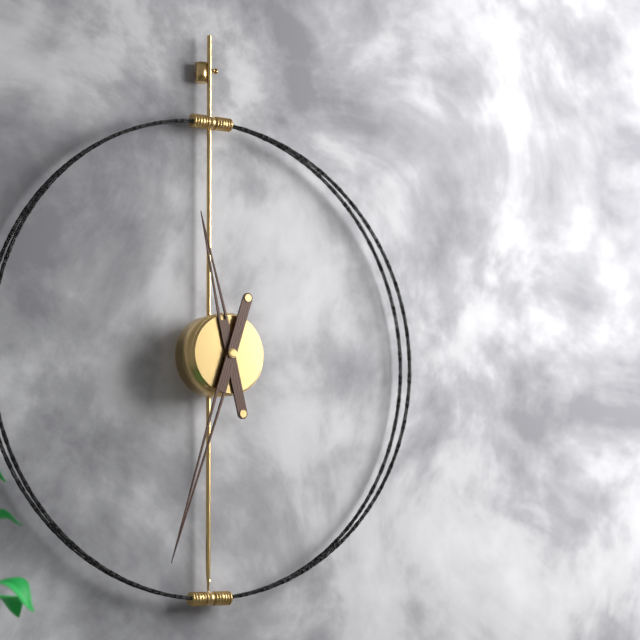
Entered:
11 h 33 min
